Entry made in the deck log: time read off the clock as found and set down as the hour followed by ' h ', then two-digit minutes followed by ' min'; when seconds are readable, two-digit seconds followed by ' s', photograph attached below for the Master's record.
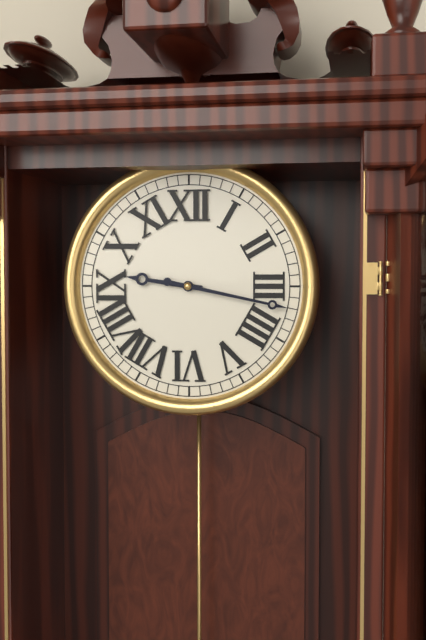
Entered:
9 h 17 min
